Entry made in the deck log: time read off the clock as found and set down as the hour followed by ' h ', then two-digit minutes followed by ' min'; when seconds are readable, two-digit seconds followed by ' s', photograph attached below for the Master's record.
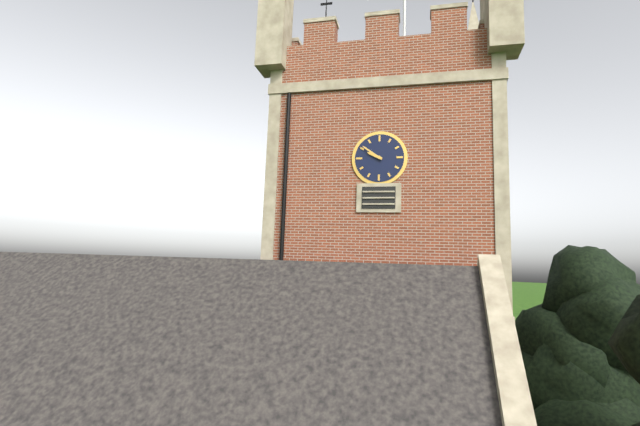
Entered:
9 h 51 min
